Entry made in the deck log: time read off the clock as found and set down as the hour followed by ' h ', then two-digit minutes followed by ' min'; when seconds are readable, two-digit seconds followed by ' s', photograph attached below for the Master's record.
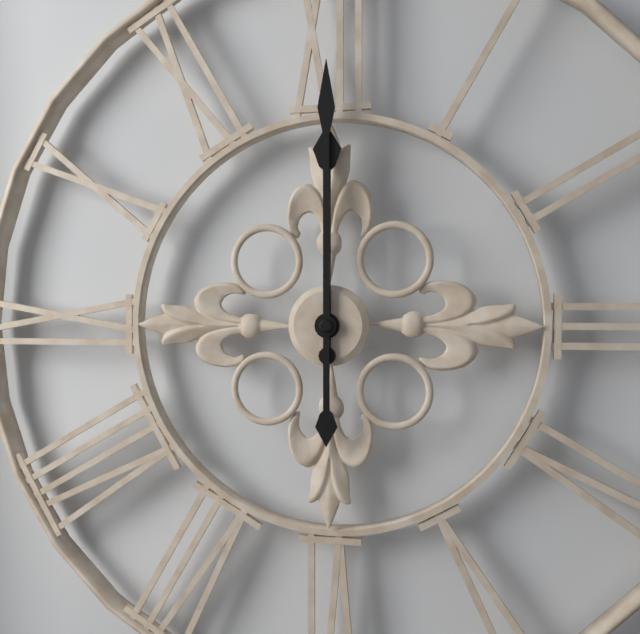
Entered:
12 h 00 min
